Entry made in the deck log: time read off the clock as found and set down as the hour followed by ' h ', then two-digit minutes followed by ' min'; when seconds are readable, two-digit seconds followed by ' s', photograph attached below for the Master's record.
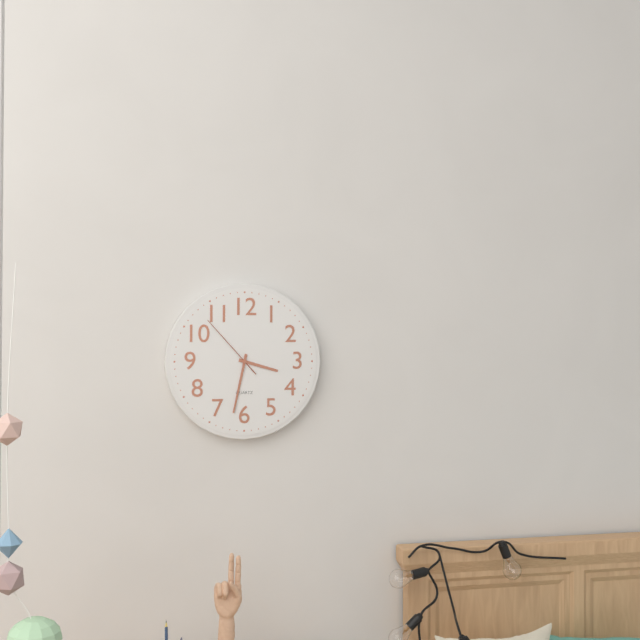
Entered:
3 h 32 min 53 s
